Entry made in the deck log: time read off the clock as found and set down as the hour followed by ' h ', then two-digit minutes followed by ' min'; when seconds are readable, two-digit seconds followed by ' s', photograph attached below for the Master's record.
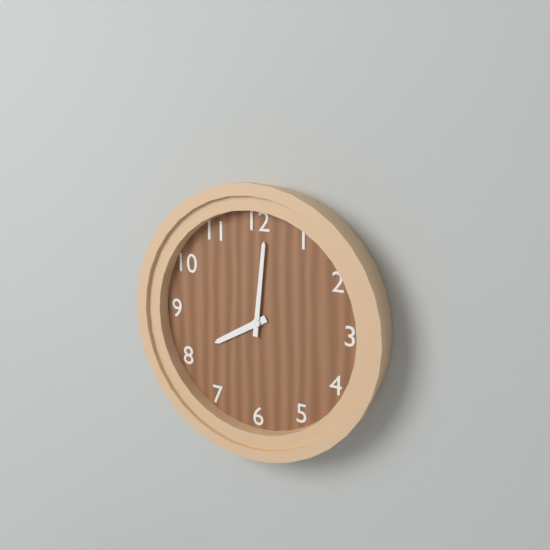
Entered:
8 h 01 min
